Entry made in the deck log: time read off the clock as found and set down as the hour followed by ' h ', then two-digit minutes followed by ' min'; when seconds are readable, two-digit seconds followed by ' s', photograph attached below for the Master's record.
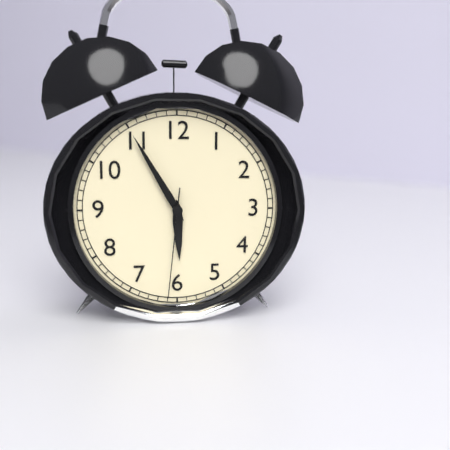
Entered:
5 h 55 min 31 s
